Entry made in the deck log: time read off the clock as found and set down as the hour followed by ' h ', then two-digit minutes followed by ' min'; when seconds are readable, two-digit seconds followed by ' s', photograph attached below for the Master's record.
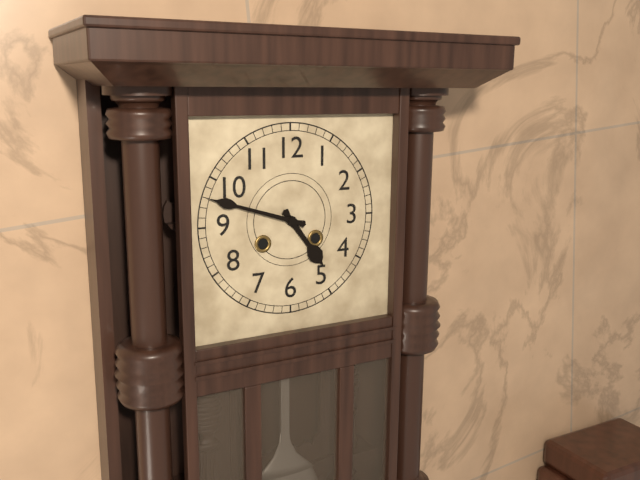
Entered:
4 h 48 min
